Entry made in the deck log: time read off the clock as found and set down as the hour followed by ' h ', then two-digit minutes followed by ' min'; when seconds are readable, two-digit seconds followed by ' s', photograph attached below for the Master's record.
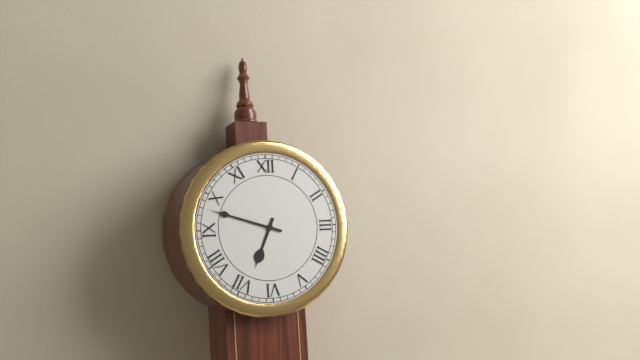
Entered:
6 h 48 min
